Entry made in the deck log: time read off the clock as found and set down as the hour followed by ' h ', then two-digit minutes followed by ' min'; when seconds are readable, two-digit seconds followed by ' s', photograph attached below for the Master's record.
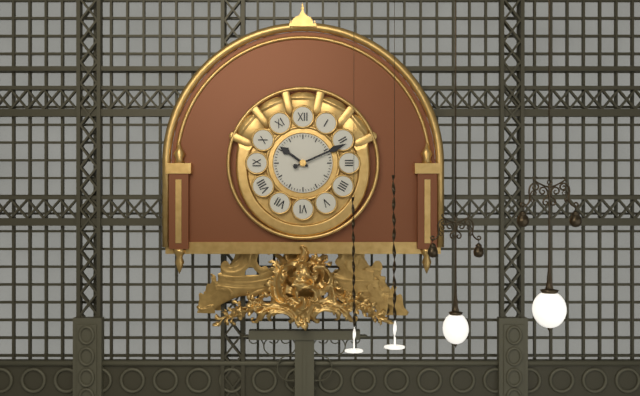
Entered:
10 h 11 min
